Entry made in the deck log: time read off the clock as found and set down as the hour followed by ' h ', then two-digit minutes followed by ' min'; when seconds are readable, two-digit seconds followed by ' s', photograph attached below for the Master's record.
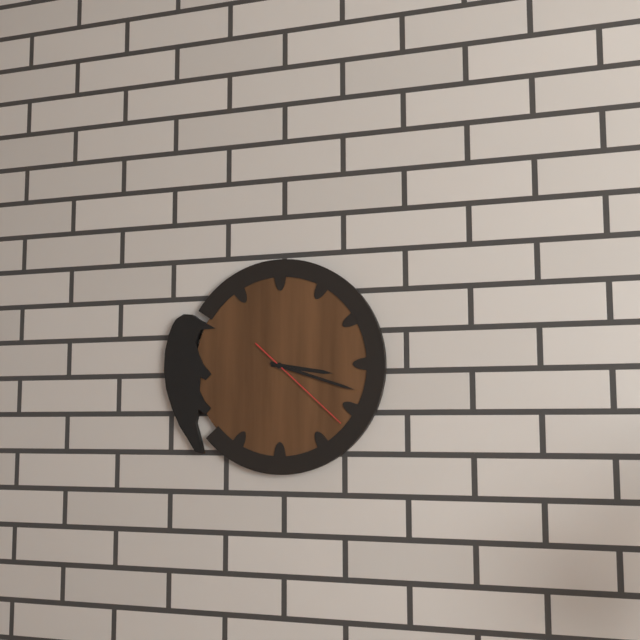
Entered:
3 h 18 min 22 s
